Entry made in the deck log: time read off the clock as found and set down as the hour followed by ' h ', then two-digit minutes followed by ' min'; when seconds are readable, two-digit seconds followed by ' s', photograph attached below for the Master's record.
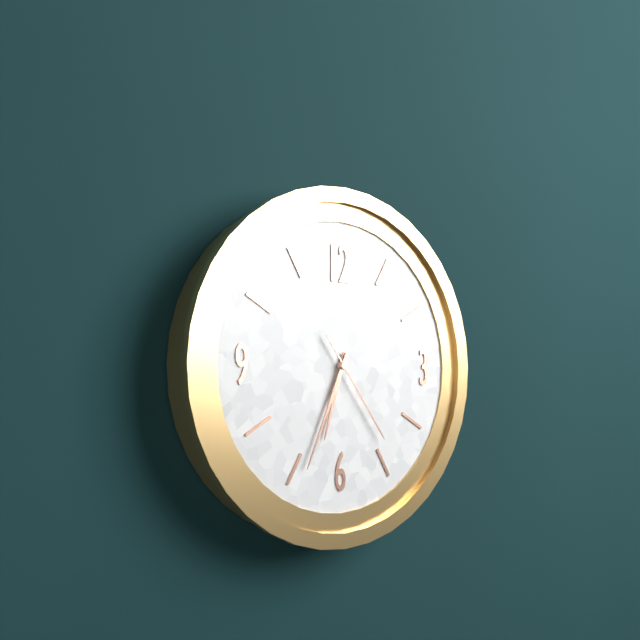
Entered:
6 h 34 min 24 s
